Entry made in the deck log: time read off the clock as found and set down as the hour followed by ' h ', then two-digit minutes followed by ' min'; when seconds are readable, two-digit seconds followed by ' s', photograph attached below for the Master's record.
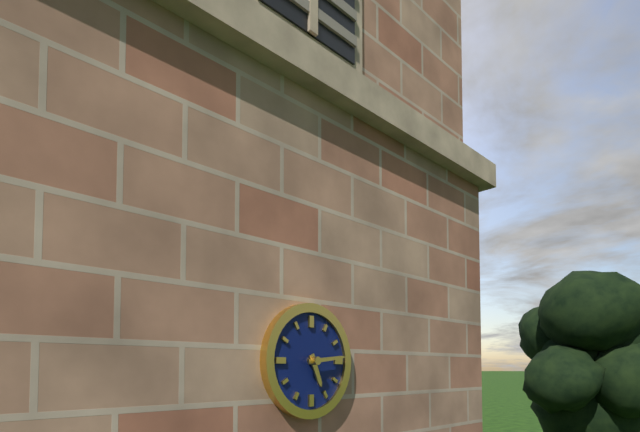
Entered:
5 h 14 min
